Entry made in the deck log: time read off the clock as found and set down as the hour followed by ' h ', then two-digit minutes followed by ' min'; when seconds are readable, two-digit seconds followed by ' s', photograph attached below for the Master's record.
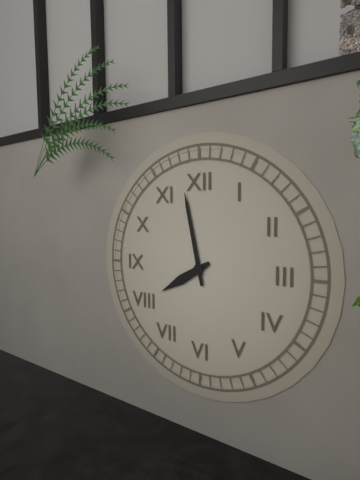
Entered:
7 h 58 min
